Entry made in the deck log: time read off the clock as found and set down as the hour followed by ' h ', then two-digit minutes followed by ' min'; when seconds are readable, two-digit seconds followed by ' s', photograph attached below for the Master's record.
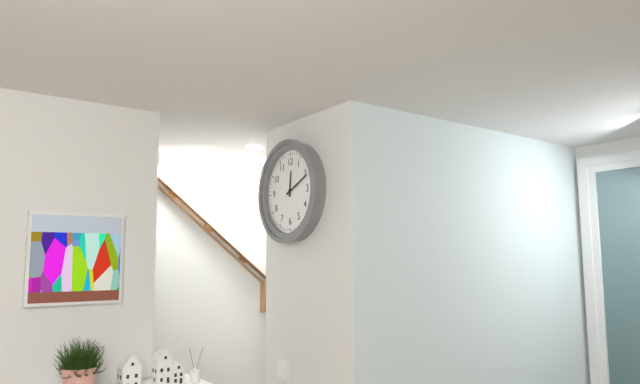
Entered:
12 h 11 min
